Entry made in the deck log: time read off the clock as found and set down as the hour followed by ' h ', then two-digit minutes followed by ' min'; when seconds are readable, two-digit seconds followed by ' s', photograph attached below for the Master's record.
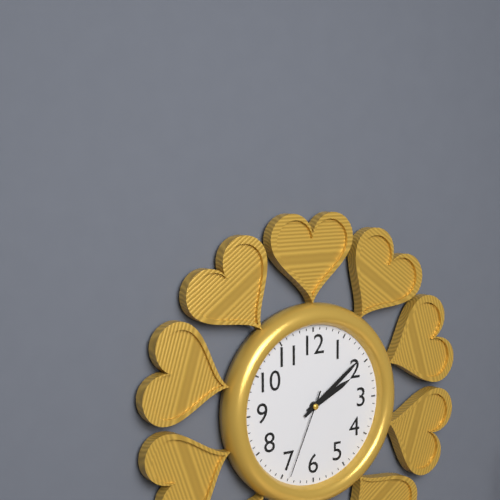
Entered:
2 h 09 min 34 s
